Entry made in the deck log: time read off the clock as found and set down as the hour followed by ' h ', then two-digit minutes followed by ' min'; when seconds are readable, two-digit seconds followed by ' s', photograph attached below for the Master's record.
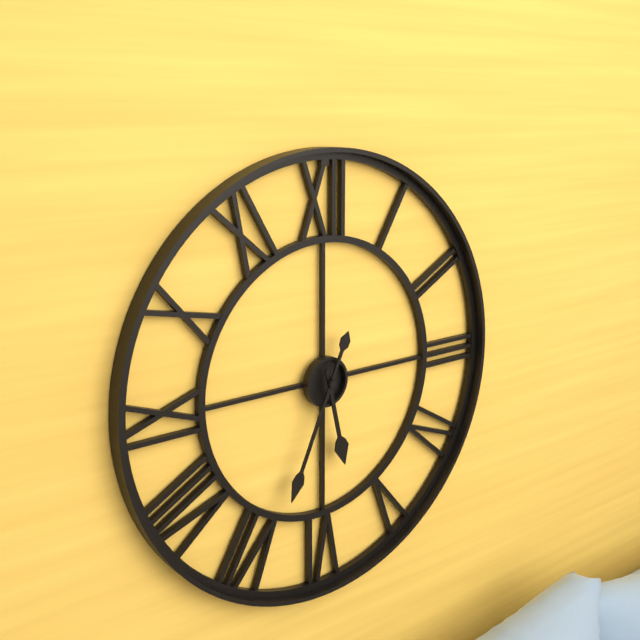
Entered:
5 h 34 min
